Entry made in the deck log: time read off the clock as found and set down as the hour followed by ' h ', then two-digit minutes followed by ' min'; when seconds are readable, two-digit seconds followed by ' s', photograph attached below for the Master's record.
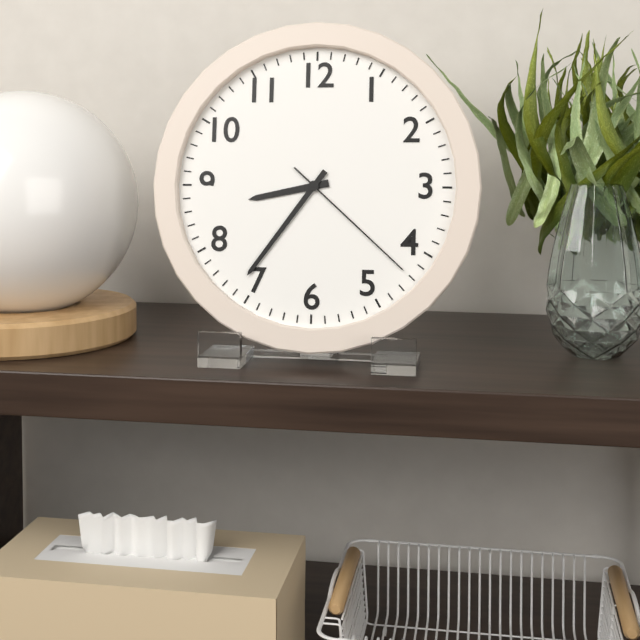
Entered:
8 h 36 min 22 s
